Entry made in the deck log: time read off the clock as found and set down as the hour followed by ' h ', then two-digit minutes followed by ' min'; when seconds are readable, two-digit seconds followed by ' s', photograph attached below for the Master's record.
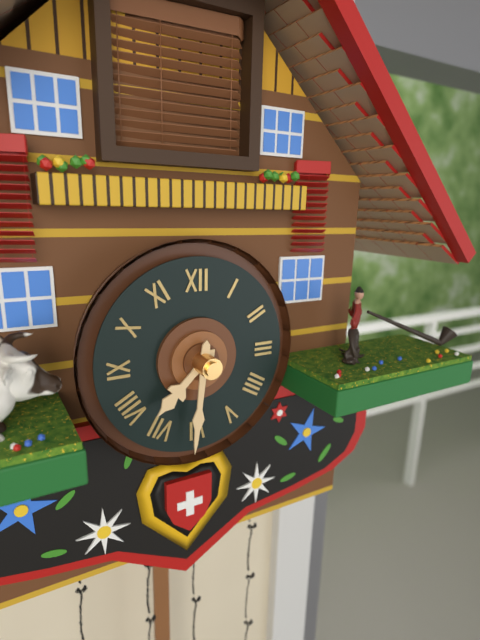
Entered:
7 h 31 min
